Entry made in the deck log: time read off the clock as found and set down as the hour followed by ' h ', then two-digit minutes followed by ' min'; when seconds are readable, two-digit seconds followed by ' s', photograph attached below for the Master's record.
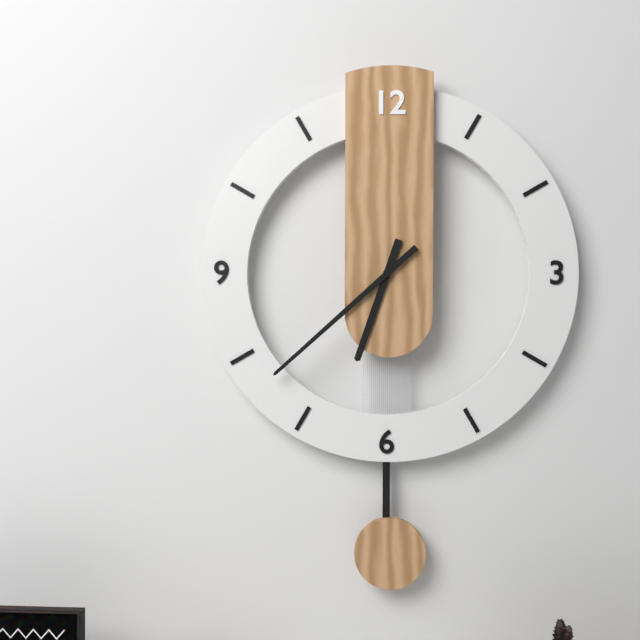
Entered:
6 h 38 min
